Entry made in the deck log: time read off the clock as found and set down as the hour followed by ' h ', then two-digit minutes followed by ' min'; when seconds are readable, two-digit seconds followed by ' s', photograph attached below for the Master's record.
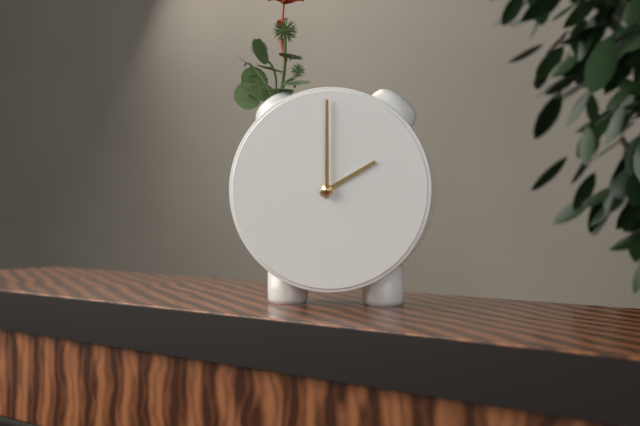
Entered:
2 h 00 min
